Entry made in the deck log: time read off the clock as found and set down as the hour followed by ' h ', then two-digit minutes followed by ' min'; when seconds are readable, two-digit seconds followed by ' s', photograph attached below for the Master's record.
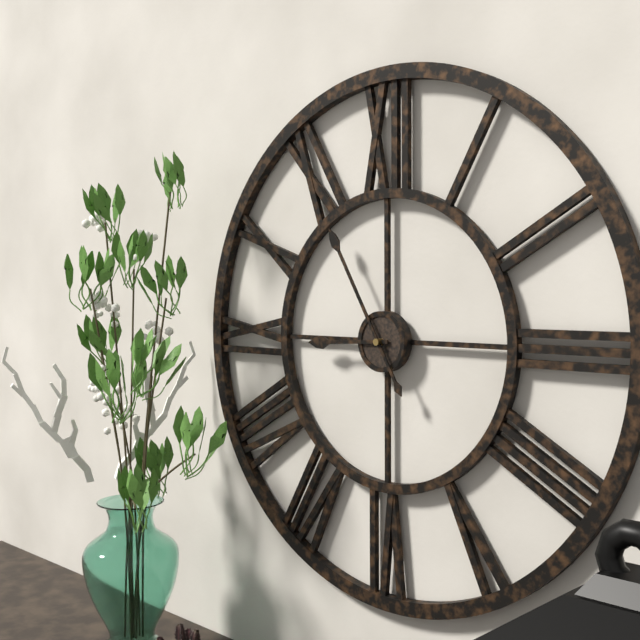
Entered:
8 h 55 min
